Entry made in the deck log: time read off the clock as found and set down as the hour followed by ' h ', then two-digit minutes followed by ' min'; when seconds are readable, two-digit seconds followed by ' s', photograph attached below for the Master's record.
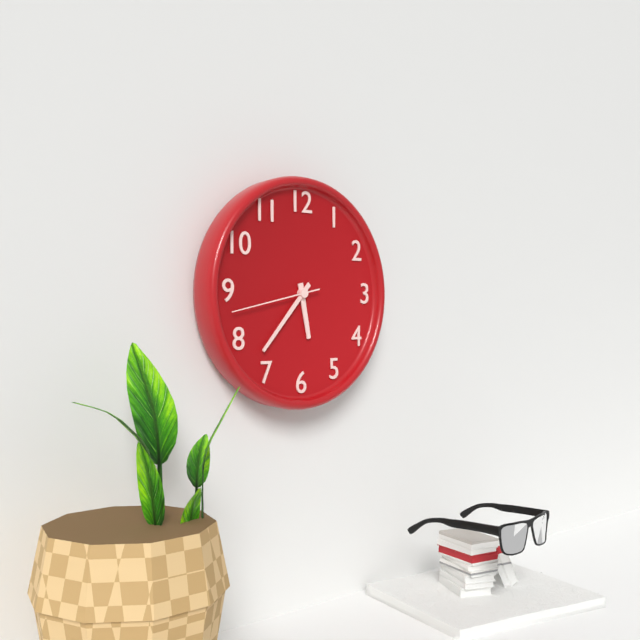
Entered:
5 h 37 min 43 s
